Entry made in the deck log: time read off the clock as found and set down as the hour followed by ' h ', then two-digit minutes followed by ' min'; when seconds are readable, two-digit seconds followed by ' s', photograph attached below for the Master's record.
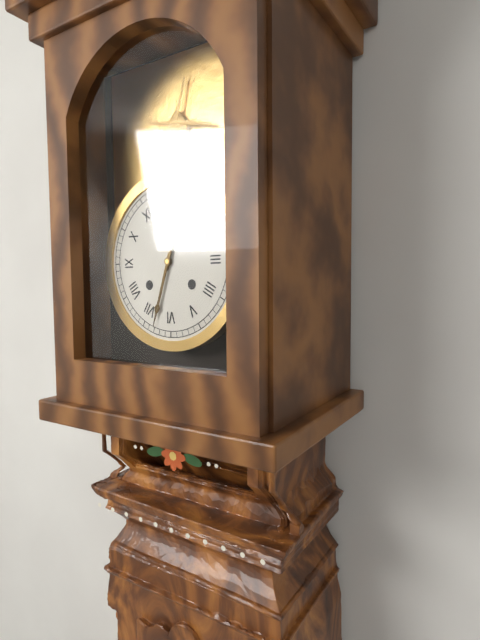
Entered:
12 h 33 min
